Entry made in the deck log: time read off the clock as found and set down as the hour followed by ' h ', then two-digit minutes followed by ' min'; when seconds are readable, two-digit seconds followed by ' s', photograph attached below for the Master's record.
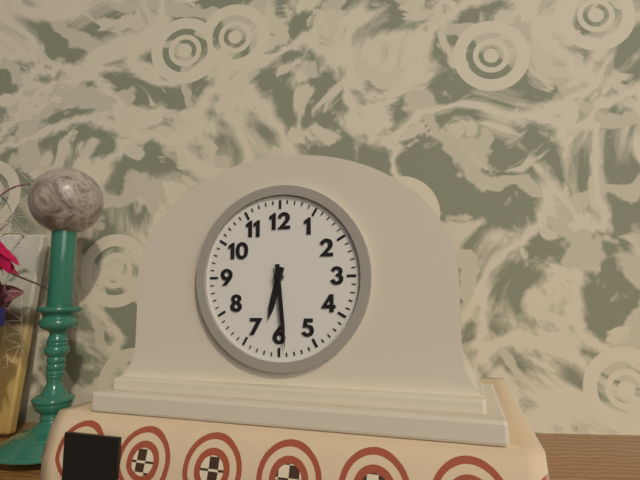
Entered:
6 h 29 min
